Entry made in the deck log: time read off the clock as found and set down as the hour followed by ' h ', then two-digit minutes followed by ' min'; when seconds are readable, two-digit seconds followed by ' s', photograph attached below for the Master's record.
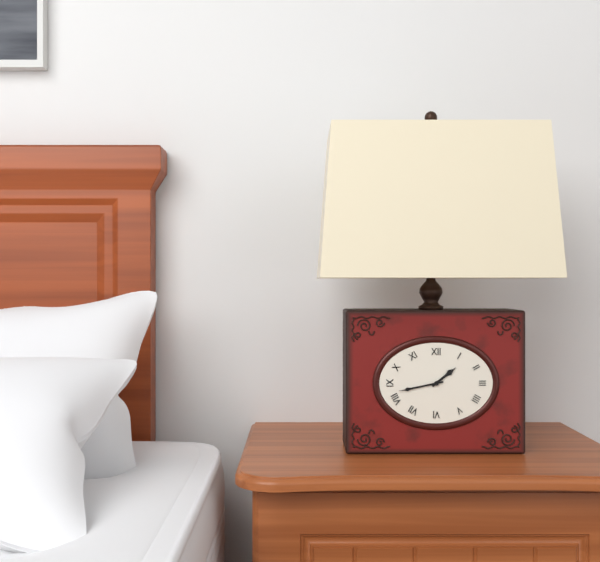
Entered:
1 h 43 min
